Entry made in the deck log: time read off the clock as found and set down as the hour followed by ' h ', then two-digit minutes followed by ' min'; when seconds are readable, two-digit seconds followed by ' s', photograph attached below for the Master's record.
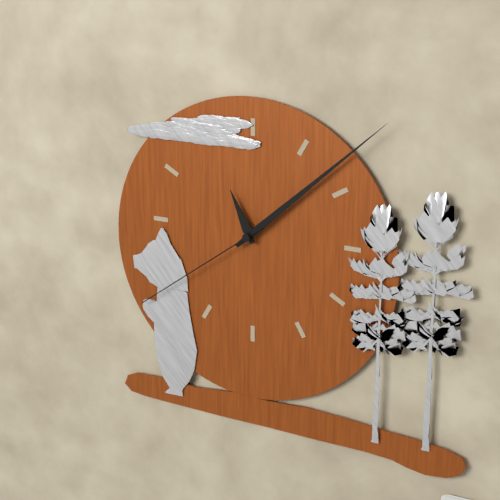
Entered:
11 h 08 min 39 s
